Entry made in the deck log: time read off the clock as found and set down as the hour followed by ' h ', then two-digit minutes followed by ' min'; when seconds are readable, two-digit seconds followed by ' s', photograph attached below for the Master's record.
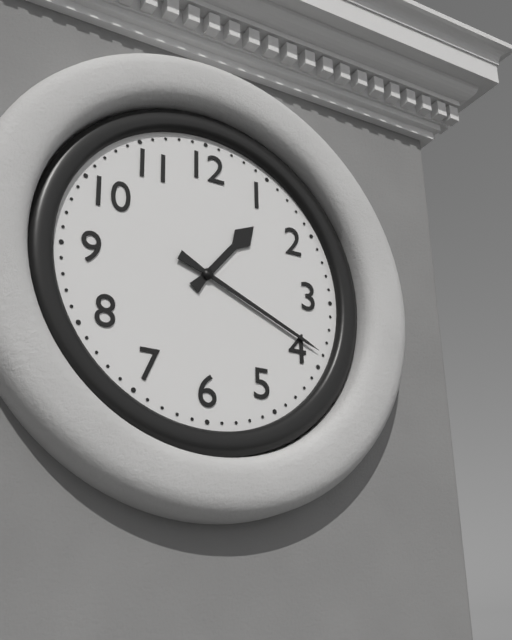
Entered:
1 h 19 min
